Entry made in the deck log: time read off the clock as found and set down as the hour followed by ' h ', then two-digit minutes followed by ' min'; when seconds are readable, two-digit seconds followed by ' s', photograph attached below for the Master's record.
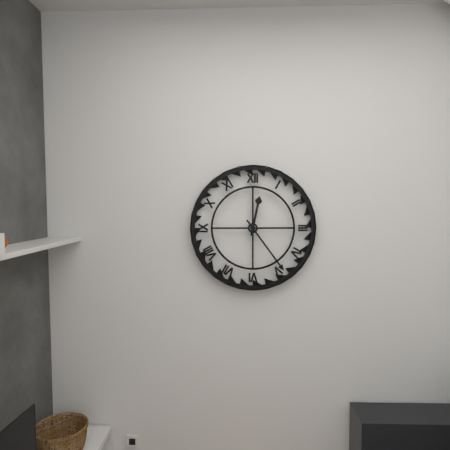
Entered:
12 h 24 min
